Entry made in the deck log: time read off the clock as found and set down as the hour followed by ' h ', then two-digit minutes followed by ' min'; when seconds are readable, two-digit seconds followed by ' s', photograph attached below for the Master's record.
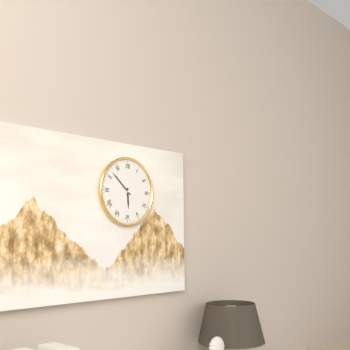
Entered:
5 h 52 min
